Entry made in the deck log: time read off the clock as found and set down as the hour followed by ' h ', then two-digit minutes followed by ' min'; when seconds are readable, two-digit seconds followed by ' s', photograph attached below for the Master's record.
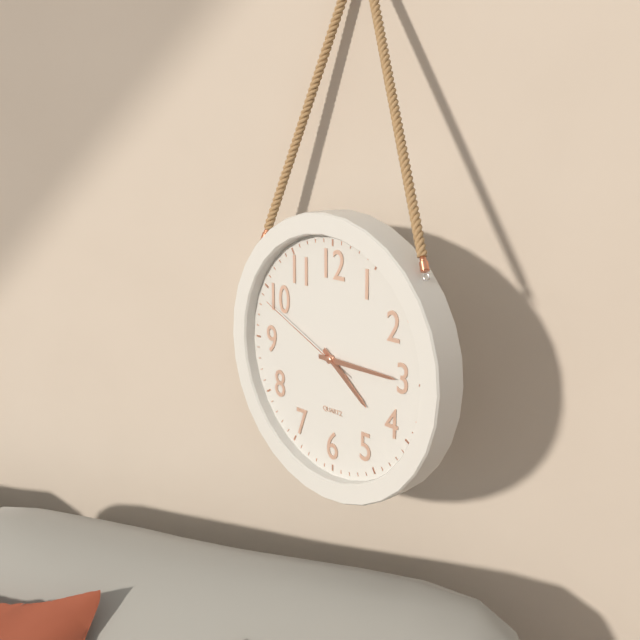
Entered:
4 h 15 min 49 s
